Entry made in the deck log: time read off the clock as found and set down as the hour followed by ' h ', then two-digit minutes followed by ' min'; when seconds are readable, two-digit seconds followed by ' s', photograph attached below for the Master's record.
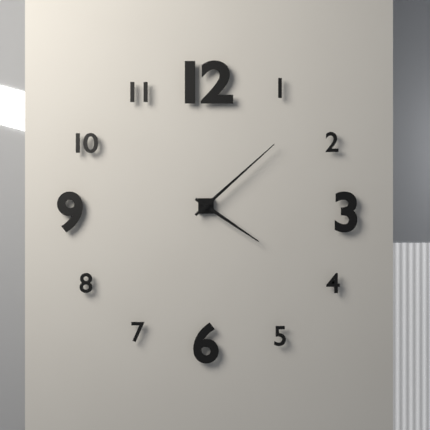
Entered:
4 h 08 min
